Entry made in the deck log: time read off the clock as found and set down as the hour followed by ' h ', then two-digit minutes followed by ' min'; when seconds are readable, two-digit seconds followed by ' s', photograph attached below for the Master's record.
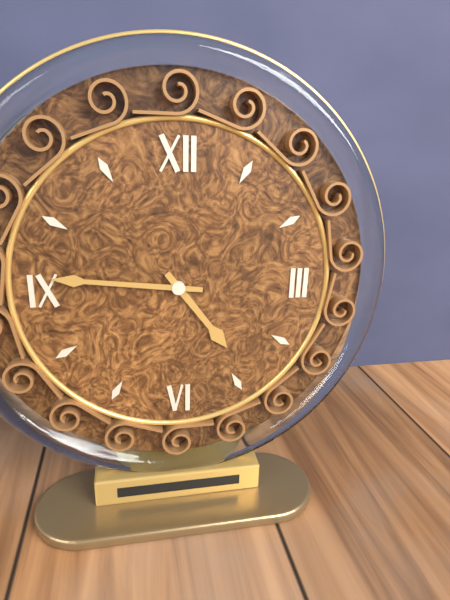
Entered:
4 h 46 min
